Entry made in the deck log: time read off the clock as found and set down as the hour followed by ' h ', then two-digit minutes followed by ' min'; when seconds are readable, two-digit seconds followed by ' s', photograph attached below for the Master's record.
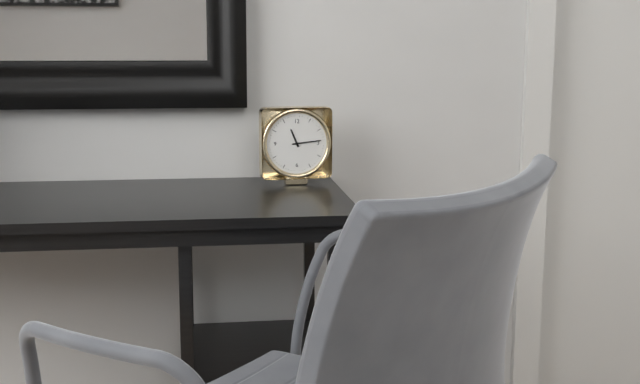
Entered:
11 h 14 min
